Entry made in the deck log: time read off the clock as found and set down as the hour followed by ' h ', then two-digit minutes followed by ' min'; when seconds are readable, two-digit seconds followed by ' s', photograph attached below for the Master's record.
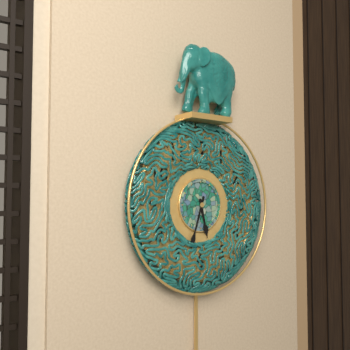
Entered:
5 h 33 min
